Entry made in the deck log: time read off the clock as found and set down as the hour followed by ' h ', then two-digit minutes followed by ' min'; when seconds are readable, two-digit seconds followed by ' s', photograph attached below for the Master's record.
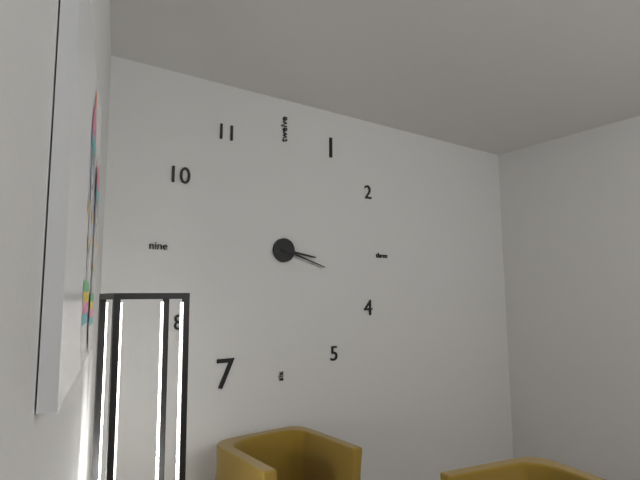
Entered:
3 h 18 min
